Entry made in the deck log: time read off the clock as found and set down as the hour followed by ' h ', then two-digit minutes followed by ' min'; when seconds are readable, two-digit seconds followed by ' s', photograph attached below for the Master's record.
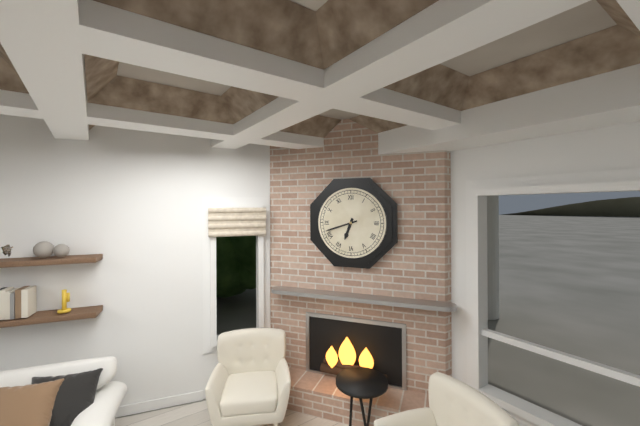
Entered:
6 h 42 min
